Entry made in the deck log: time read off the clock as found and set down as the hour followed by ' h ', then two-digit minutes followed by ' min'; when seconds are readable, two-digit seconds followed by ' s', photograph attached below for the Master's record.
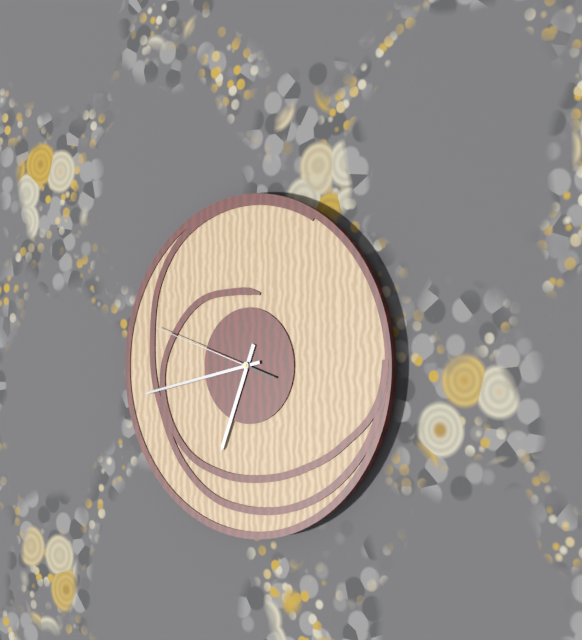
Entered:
6 h 43 min 48 s
